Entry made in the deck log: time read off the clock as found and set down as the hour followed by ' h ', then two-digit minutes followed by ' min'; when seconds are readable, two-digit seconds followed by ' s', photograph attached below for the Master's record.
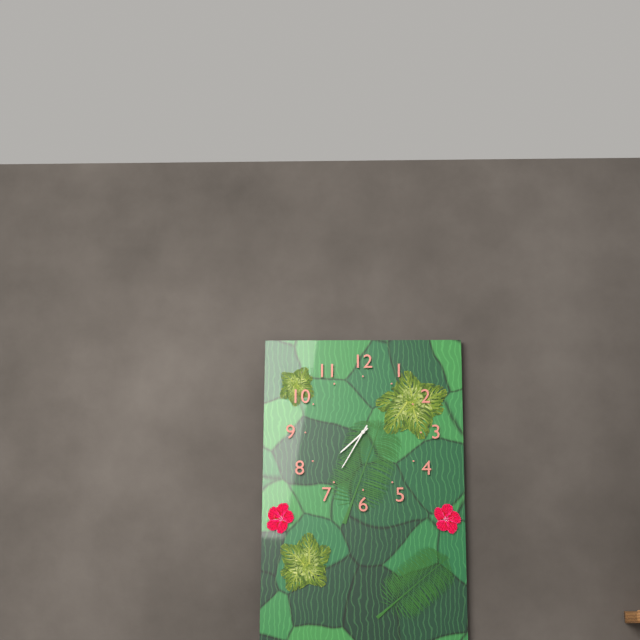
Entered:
7 h 35 min
